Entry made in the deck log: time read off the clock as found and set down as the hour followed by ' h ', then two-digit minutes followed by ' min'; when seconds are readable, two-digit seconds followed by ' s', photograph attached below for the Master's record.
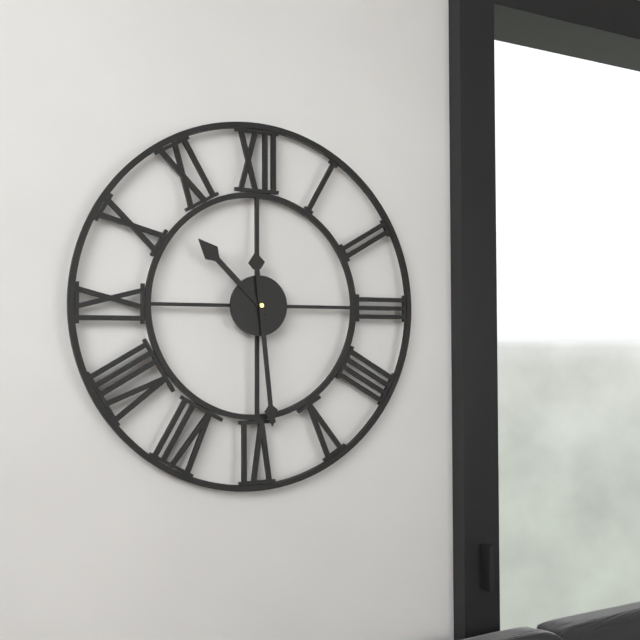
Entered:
10 h 29 min
